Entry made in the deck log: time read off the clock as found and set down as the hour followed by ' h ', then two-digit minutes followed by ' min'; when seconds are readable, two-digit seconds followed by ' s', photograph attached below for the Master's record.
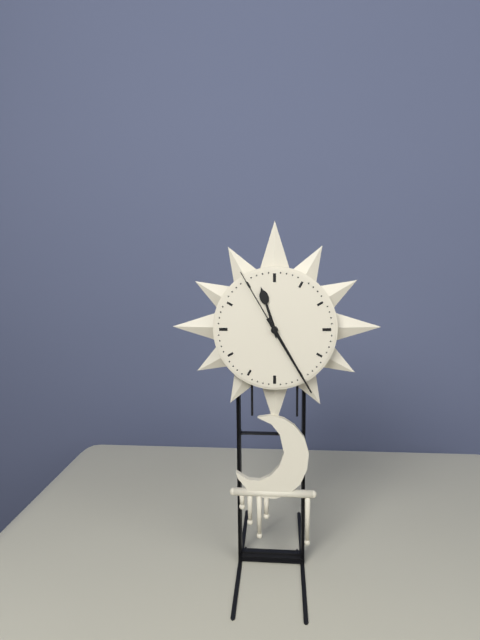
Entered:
11 h 25 min 55 s
